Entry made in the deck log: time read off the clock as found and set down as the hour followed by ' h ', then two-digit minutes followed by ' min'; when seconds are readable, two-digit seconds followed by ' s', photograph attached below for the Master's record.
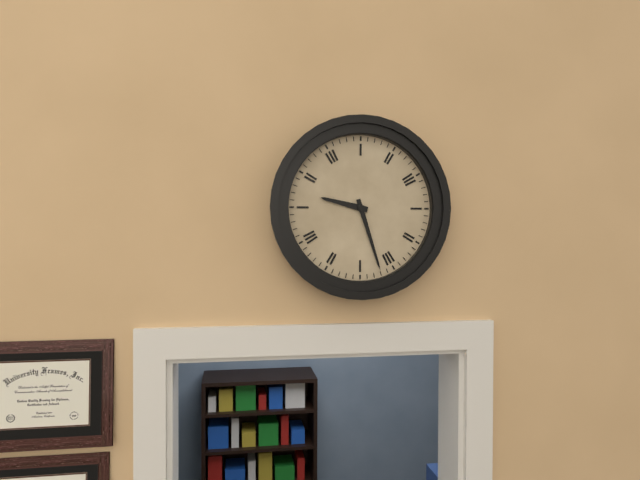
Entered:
9 h 27 min
